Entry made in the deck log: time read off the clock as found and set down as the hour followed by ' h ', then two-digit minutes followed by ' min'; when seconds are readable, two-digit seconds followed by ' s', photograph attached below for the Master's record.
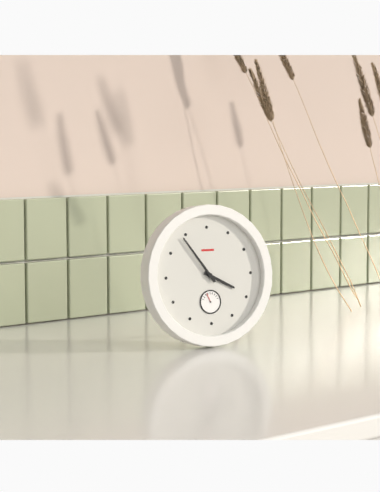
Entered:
3 h 54 min
